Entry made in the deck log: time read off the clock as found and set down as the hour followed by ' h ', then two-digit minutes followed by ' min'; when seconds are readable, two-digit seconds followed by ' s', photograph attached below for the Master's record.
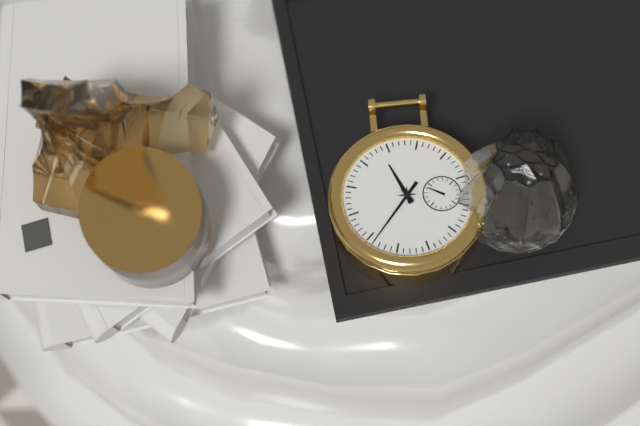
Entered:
12 h 44 min
